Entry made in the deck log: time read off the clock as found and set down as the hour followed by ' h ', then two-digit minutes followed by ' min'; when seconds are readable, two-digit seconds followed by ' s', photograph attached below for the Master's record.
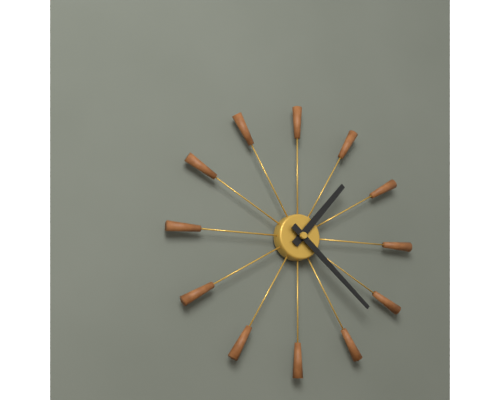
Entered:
1 h 22 min
